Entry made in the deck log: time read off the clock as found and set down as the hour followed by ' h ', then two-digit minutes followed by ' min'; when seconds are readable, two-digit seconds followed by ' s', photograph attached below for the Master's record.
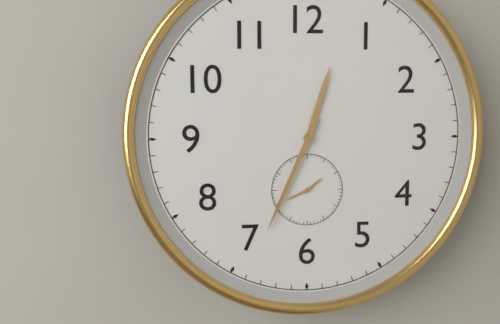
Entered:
12 h 34 min
